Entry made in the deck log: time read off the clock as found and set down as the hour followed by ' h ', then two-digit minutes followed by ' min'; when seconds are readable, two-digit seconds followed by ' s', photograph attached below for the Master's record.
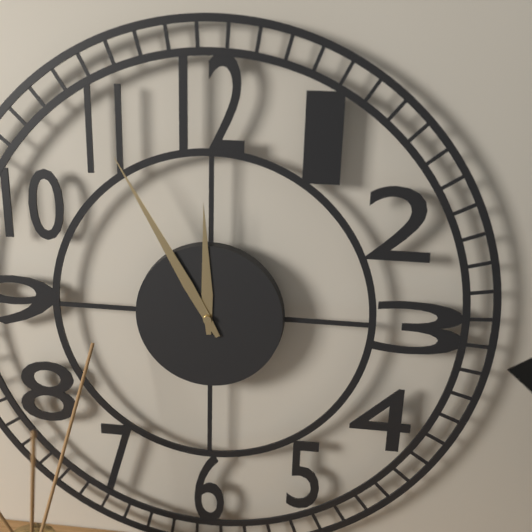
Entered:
11 h 55 min
